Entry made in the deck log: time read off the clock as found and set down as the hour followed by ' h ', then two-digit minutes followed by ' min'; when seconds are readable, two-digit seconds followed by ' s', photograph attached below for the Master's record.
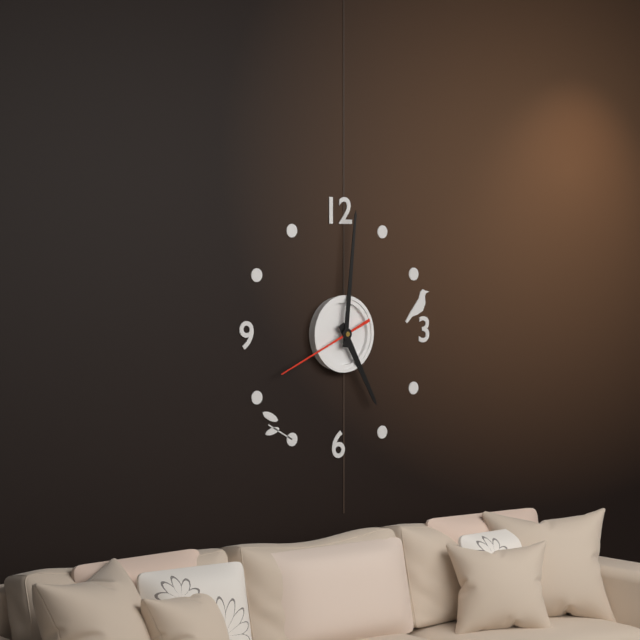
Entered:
5 h 01 min 41 s
